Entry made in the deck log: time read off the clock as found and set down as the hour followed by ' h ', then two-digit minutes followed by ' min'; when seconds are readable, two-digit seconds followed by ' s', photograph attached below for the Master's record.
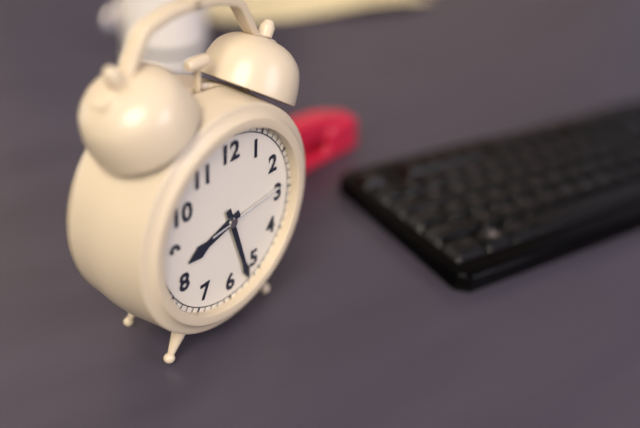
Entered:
8 h 27 min 14 s
